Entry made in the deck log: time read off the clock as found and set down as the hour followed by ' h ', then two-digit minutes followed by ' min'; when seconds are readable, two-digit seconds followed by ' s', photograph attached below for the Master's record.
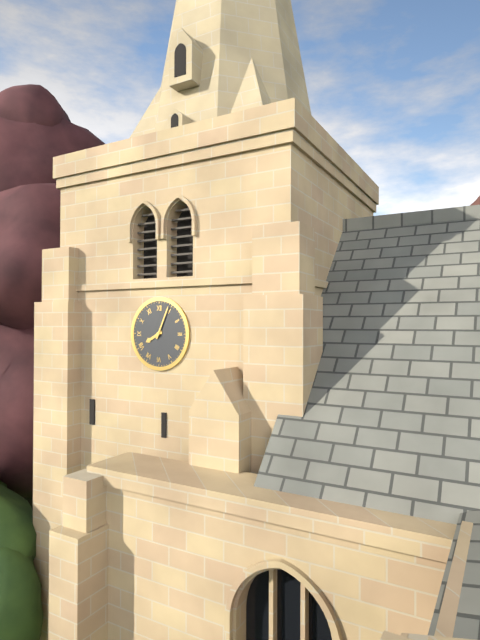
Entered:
8 h 04 min
